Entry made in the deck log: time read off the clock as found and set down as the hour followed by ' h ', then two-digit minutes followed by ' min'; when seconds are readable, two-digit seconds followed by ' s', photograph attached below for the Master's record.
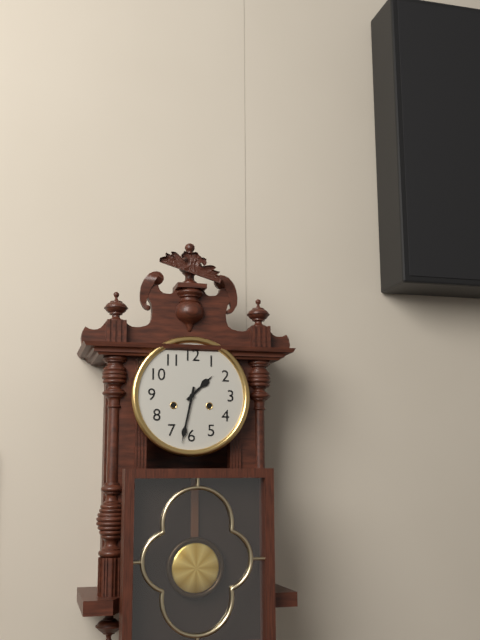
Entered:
1 h 32 min
